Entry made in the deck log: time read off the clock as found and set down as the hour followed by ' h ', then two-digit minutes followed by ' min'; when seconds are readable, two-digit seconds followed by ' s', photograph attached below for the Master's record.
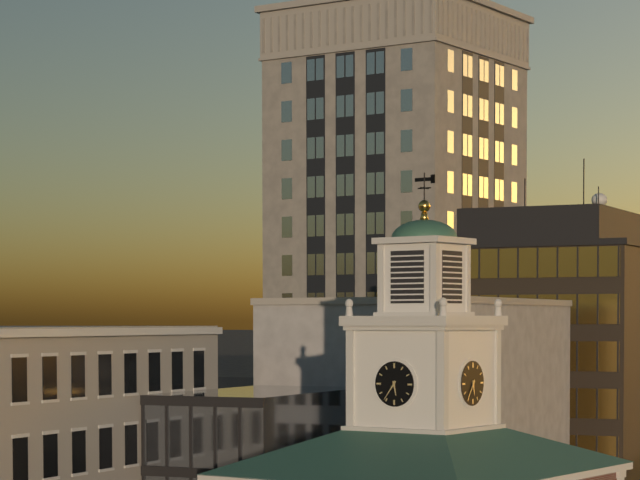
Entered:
5 h 36 min
